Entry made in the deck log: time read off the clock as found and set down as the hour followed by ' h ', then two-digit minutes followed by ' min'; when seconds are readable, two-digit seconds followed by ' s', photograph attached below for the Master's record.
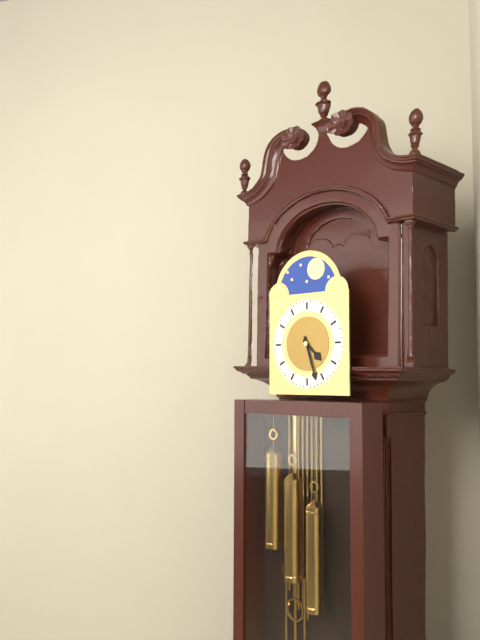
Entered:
4 h 27 min
